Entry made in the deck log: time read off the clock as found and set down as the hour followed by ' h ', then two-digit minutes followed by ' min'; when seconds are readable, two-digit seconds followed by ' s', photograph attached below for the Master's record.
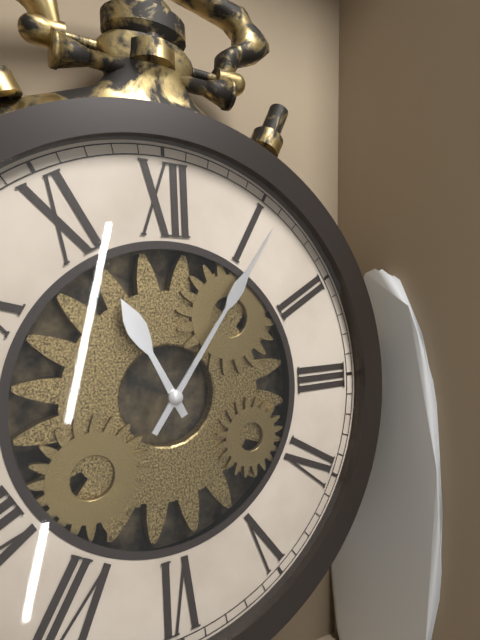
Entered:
11 h 06 min
